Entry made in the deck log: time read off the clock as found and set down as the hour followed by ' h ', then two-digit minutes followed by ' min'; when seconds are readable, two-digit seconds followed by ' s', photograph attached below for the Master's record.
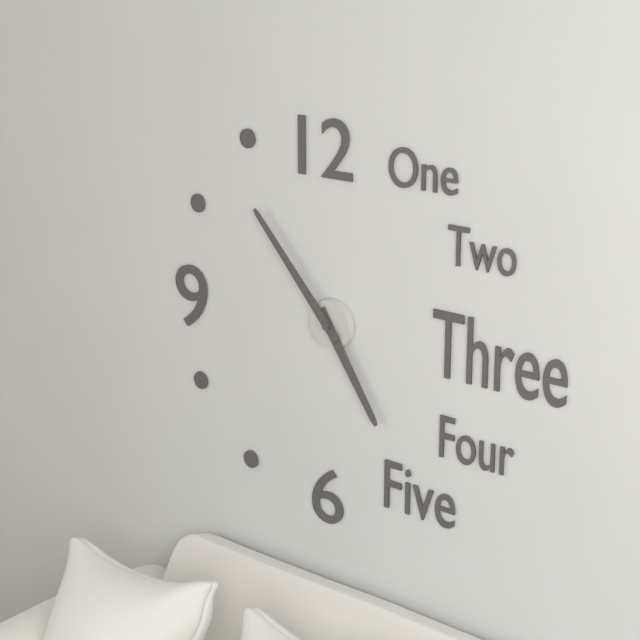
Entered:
4 h 53 min
